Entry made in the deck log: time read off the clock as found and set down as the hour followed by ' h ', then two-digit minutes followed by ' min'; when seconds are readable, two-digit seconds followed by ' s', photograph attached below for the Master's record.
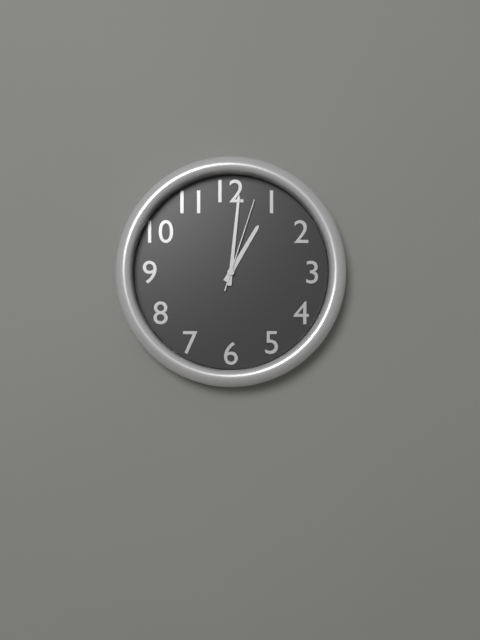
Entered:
1 h 01 min 03 s
